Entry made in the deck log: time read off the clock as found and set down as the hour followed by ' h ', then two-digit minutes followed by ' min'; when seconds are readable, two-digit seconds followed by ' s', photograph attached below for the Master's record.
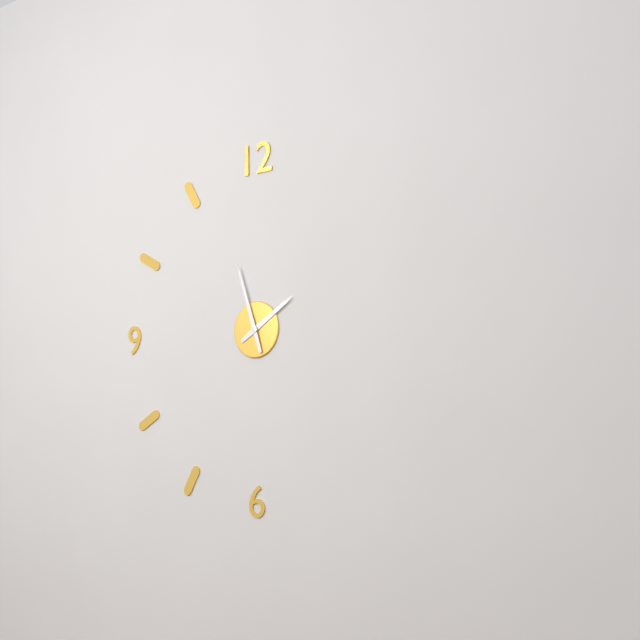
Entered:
1 h 57 min
